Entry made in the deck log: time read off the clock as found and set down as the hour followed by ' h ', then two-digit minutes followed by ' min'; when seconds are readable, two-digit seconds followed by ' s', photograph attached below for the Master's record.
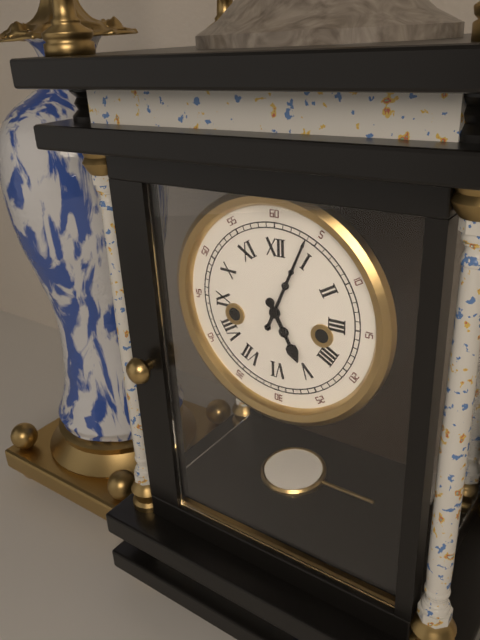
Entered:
5 h 04 min
